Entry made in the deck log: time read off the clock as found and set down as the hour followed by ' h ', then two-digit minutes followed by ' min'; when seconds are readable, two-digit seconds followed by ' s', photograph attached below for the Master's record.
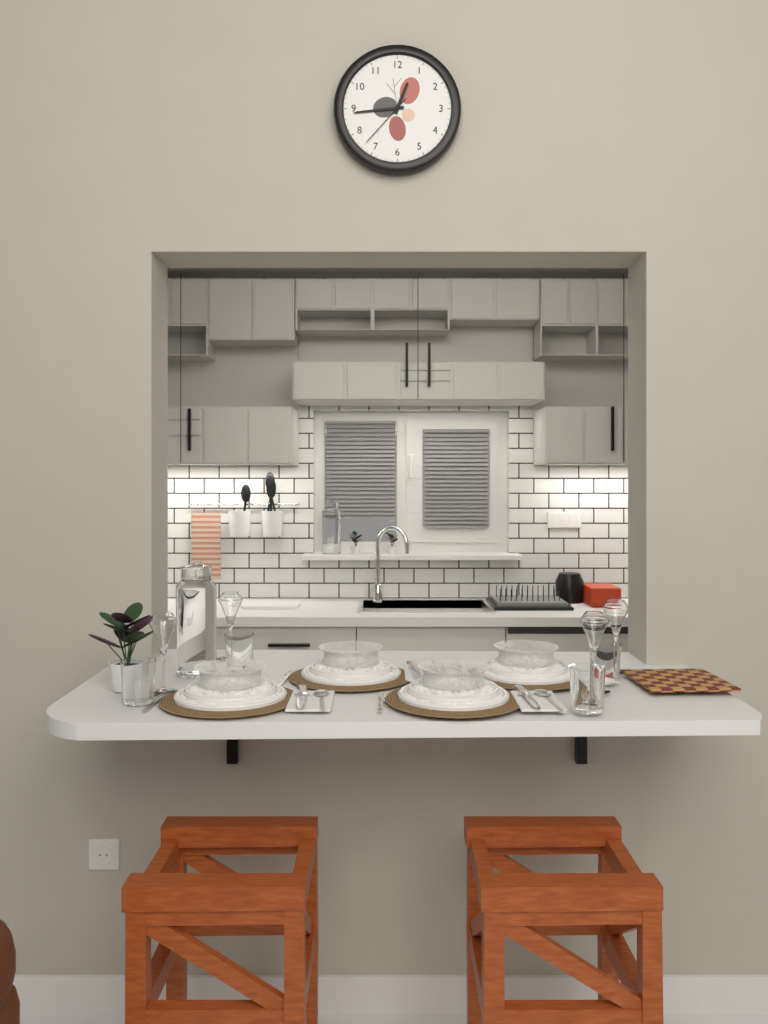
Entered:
12 h 44 min 37 s
